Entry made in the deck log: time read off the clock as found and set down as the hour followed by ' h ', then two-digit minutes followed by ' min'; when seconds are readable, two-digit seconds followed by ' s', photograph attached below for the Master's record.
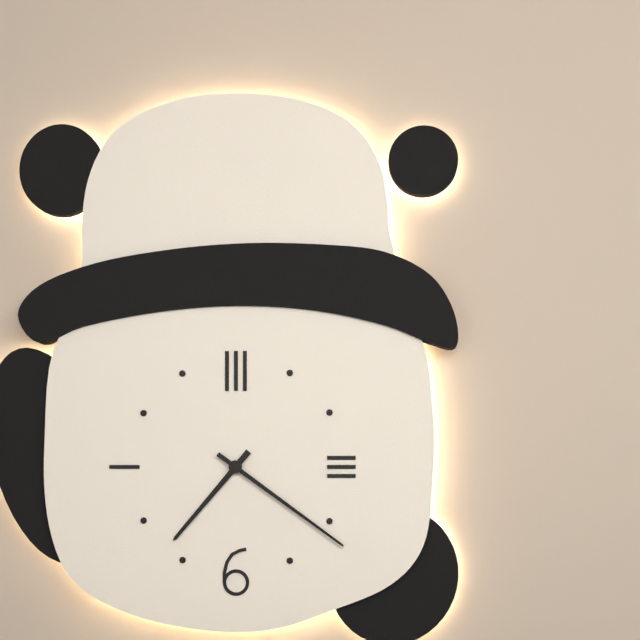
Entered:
7 h 21 min
